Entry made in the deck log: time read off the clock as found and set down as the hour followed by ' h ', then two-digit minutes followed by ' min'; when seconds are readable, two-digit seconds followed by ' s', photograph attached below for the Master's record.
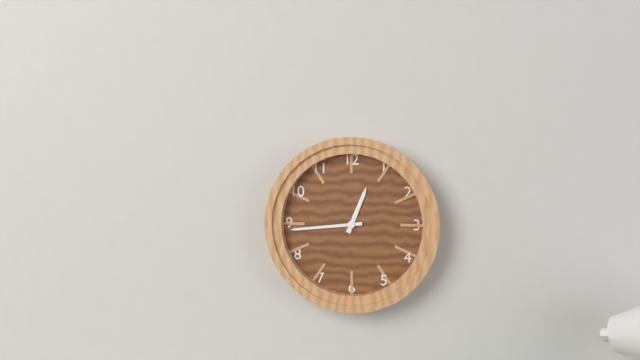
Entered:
12 h 44 min
